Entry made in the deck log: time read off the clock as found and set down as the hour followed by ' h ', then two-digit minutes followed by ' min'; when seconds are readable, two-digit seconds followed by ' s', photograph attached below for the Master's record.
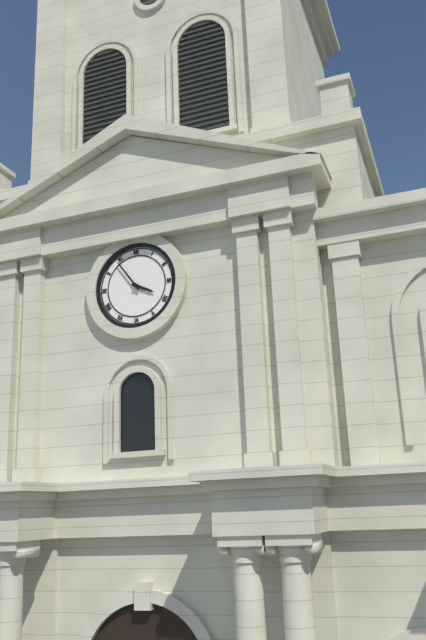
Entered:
3 h 54 min
